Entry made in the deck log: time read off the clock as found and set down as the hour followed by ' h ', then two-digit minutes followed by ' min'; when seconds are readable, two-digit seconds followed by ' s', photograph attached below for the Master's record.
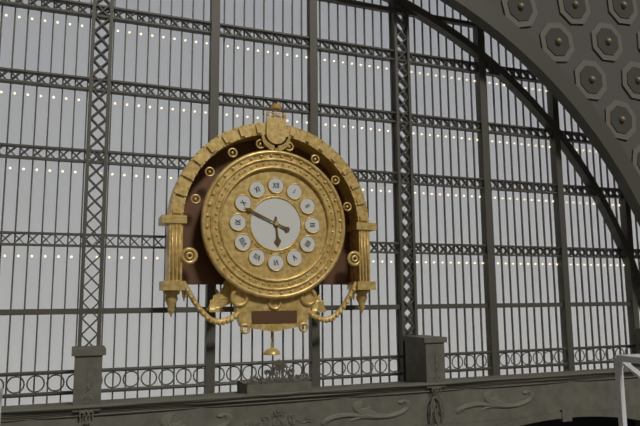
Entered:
5 h 49 min
